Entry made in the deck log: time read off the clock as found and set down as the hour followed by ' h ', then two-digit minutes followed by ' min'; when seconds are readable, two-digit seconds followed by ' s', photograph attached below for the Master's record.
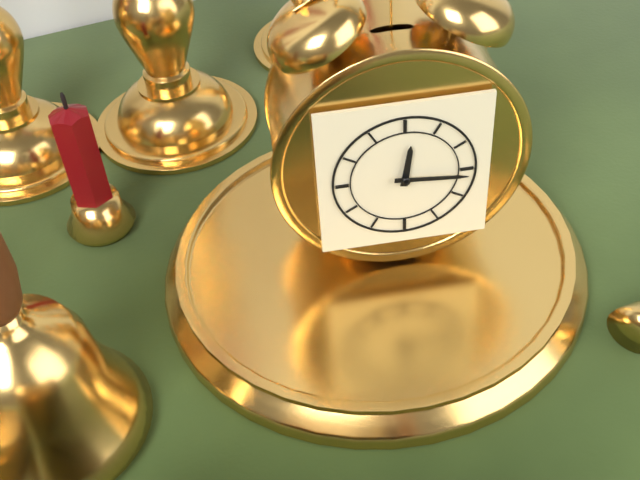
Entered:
12 h 16 min
